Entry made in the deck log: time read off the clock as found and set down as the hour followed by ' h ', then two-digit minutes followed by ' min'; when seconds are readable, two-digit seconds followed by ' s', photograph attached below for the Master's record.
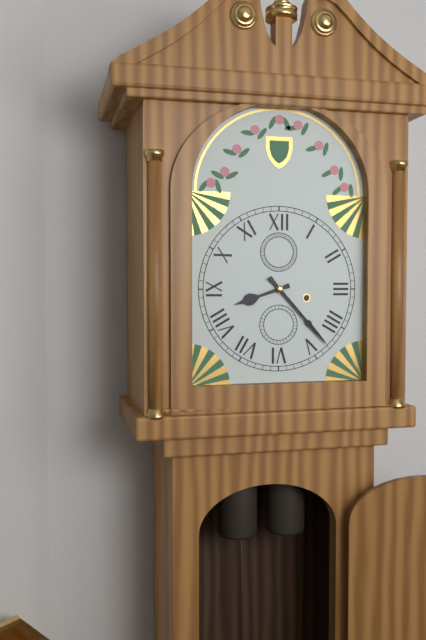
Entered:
8 h 23 min
